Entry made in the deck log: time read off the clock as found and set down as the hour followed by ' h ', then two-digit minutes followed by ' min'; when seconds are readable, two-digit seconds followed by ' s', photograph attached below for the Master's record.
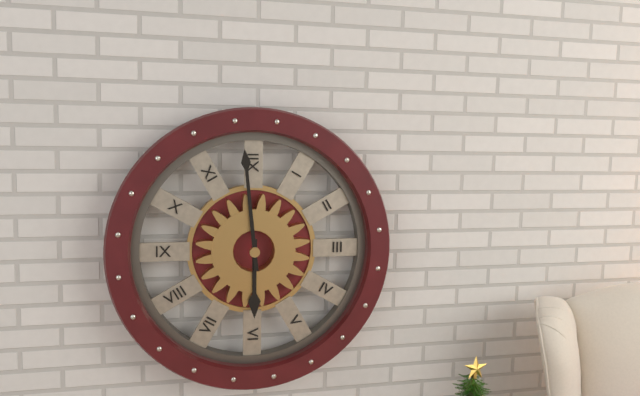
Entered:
5 h 59 min
